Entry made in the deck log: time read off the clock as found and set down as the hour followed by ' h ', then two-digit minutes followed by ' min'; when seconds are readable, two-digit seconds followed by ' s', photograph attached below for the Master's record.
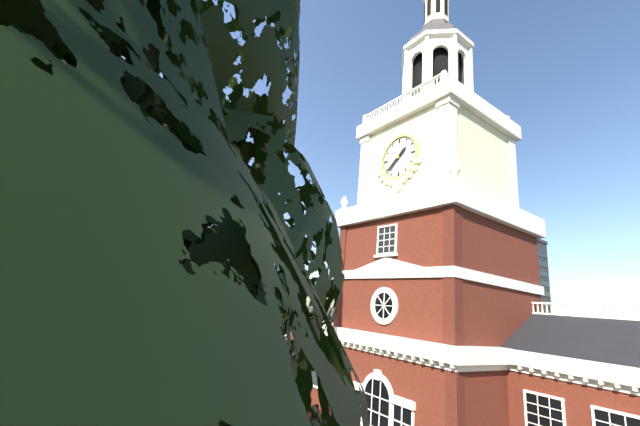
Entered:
1 h 38 min
